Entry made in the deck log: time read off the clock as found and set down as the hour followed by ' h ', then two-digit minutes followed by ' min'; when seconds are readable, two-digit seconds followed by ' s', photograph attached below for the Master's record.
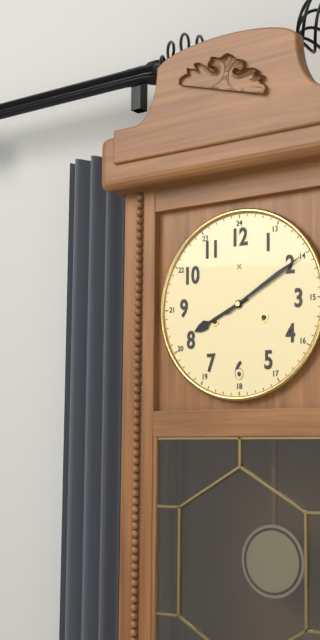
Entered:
8 h 10 min
